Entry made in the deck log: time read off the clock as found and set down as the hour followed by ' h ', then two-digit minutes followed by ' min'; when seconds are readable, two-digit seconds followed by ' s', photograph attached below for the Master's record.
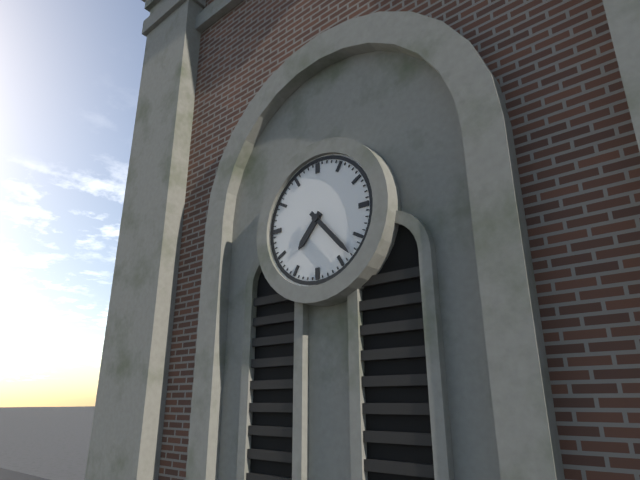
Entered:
7 h 23 min
